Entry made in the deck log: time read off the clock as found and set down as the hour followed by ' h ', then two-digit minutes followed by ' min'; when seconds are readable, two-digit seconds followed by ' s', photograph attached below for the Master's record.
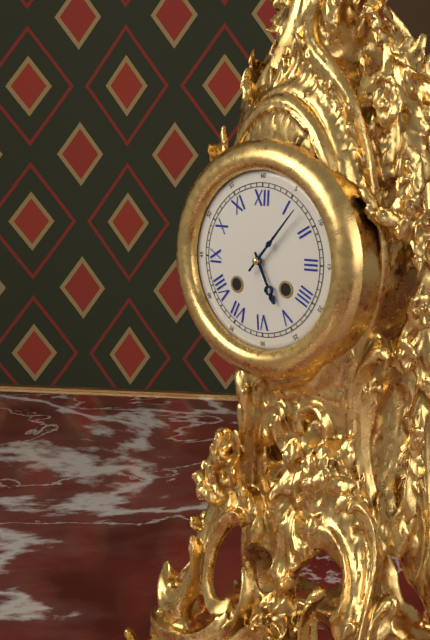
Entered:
5 h 07 min
